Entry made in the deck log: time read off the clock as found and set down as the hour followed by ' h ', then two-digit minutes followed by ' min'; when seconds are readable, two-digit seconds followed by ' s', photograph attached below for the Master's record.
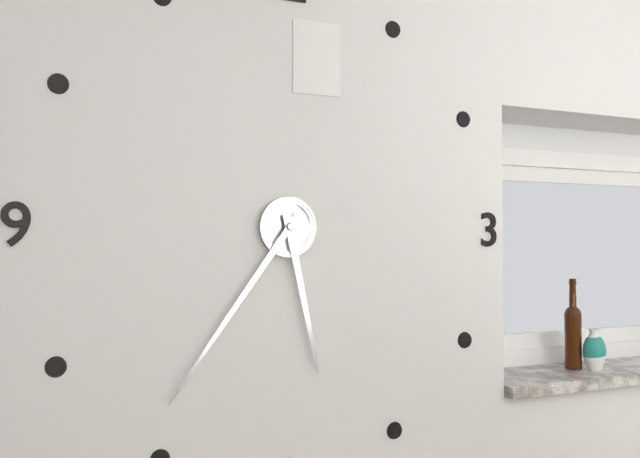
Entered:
5 h 36 min
